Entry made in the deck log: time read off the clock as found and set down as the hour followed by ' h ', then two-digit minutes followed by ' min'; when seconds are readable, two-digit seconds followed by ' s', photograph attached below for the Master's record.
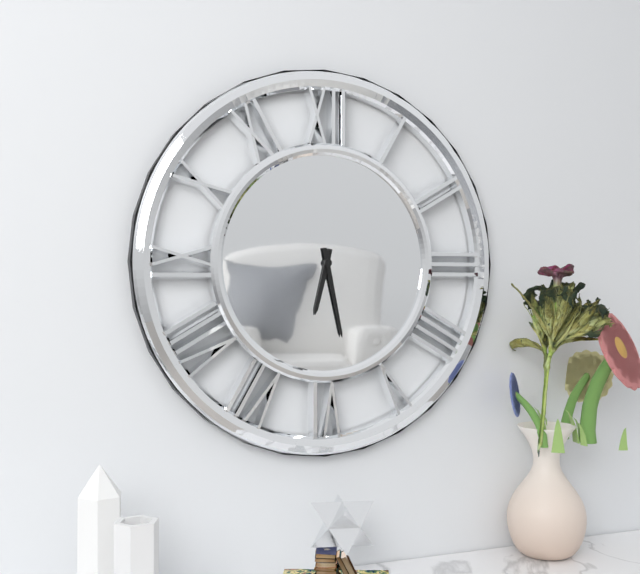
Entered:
6 h 28 min
